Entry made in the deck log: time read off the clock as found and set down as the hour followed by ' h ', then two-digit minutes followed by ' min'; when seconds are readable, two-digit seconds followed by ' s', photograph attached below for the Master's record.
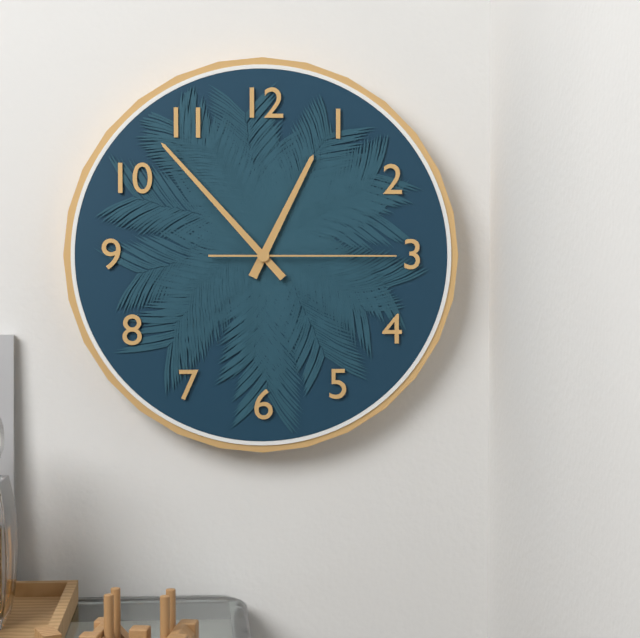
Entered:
12 h 53 min 15 s
